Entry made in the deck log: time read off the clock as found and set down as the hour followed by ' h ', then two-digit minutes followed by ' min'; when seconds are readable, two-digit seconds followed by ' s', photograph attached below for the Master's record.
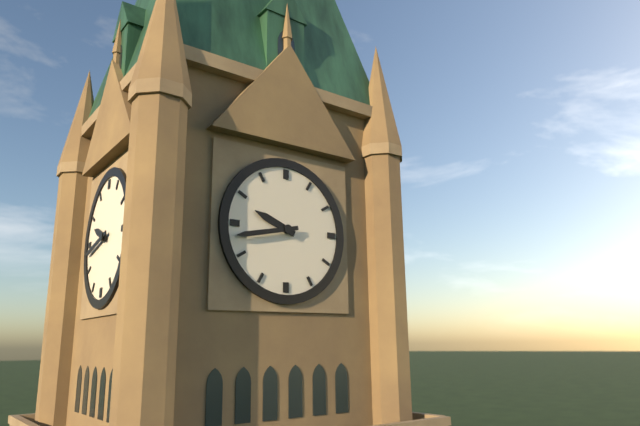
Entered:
9 h 43 min
